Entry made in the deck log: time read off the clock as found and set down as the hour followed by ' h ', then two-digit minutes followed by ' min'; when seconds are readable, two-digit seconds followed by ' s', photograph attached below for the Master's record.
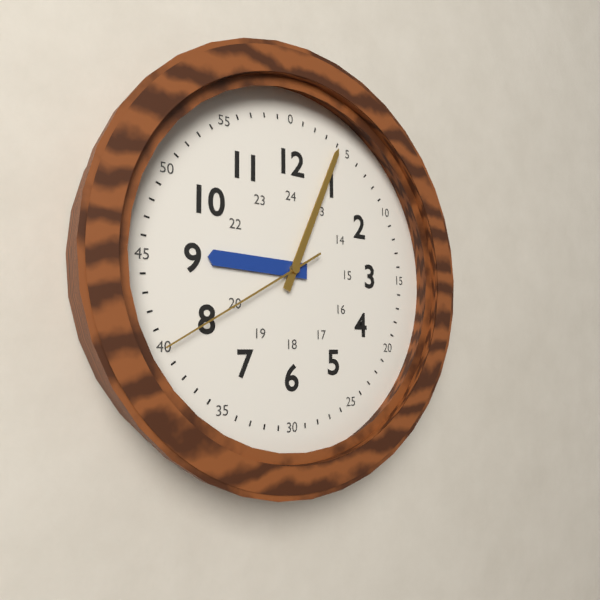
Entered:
9 h 04 min 40 s
